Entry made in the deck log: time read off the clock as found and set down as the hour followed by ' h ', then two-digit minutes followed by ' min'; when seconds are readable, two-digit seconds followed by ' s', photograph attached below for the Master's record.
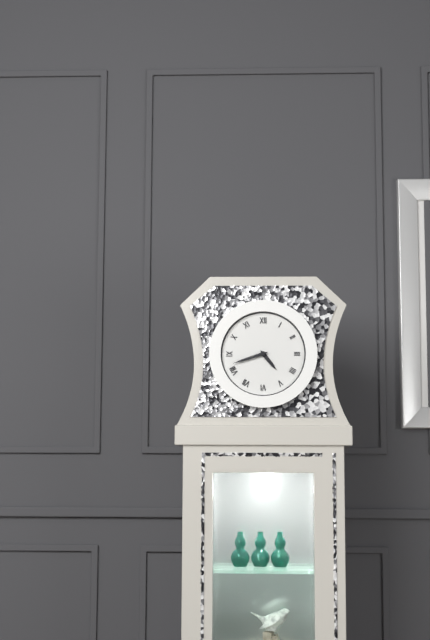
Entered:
4 h 42 min
